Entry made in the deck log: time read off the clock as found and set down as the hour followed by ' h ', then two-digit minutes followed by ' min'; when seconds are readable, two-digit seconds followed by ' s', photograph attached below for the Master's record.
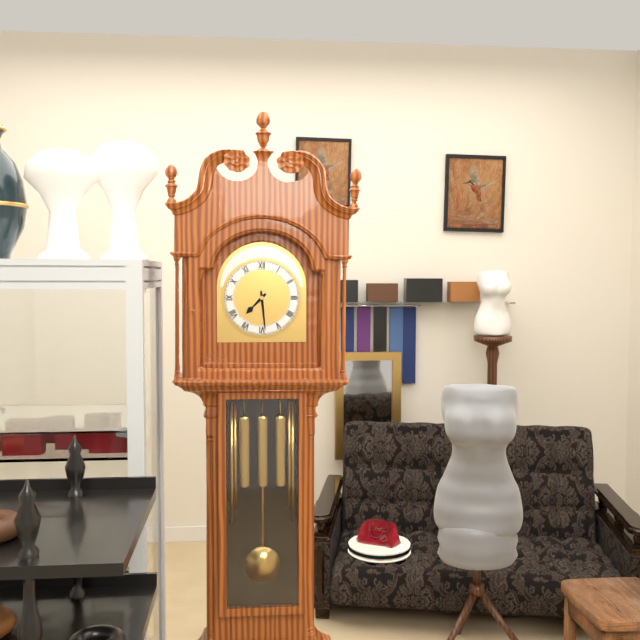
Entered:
7 h 29 min
